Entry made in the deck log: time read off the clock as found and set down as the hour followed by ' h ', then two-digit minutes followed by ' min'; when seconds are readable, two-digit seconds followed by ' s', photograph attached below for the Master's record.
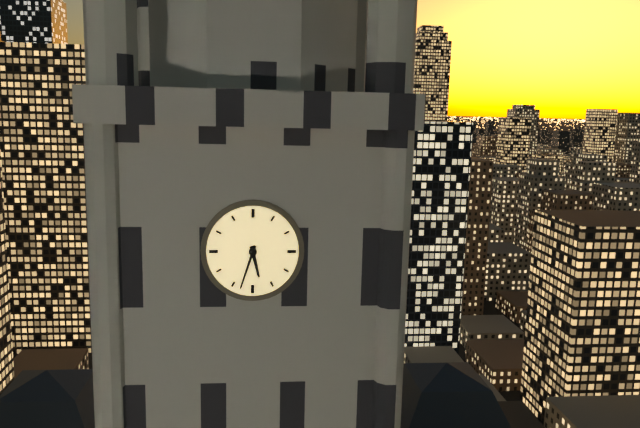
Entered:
5 h 33 min
